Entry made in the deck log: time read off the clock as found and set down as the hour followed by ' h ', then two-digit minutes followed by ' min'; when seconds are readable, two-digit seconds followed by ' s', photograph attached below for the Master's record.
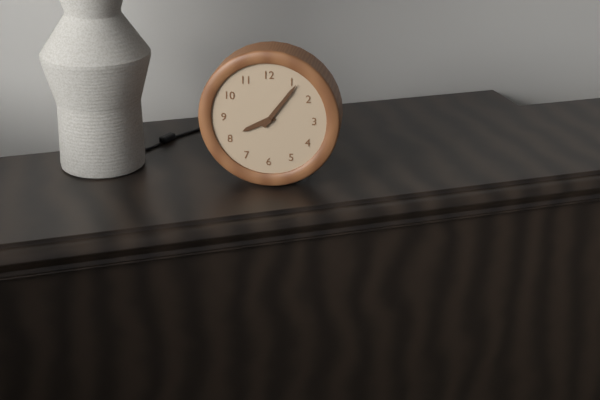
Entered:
8 h 06 min
